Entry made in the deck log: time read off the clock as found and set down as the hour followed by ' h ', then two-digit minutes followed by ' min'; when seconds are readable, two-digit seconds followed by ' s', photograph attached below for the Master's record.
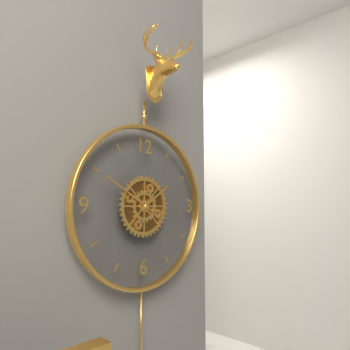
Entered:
1 h 50 min
